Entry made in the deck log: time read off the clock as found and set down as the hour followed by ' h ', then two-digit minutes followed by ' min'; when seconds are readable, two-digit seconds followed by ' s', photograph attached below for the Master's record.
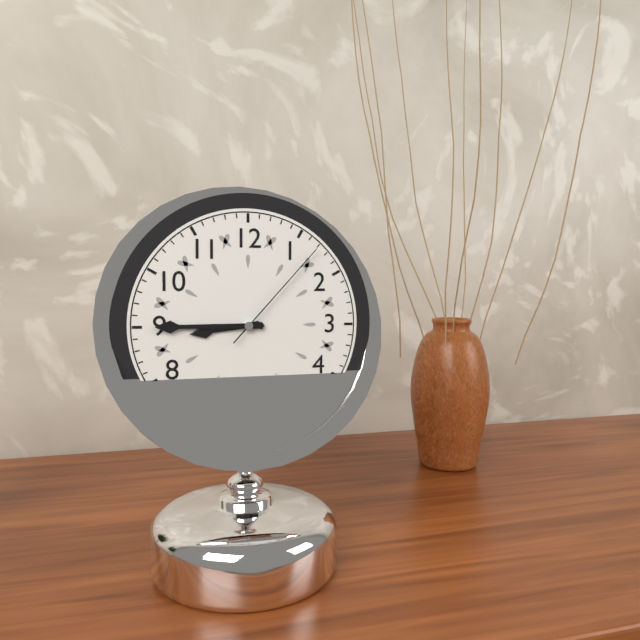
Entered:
8 h 45 min 07 s
